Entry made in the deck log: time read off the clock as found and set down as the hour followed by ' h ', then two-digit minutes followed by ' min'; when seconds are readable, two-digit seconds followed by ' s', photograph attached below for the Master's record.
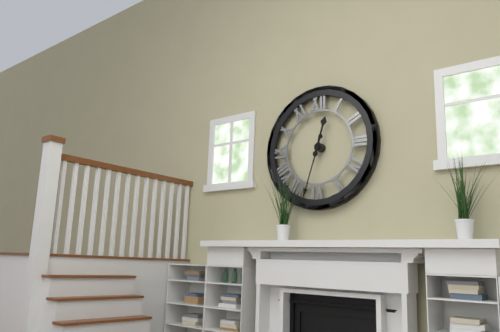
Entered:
12 h 33 min
